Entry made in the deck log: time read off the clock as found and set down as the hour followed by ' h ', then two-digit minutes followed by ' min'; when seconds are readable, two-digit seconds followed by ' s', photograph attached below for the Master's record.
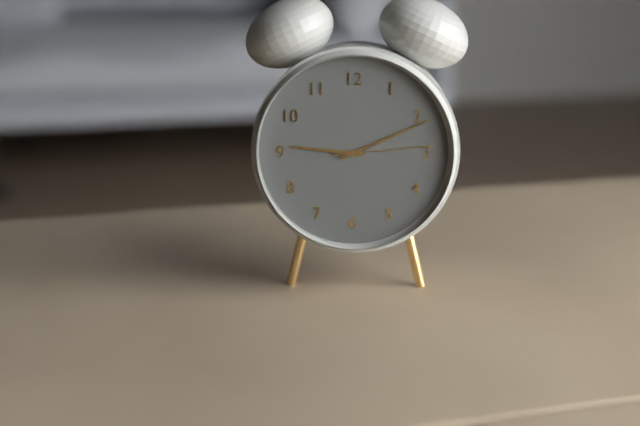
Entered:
9 h 11 min 14 s
